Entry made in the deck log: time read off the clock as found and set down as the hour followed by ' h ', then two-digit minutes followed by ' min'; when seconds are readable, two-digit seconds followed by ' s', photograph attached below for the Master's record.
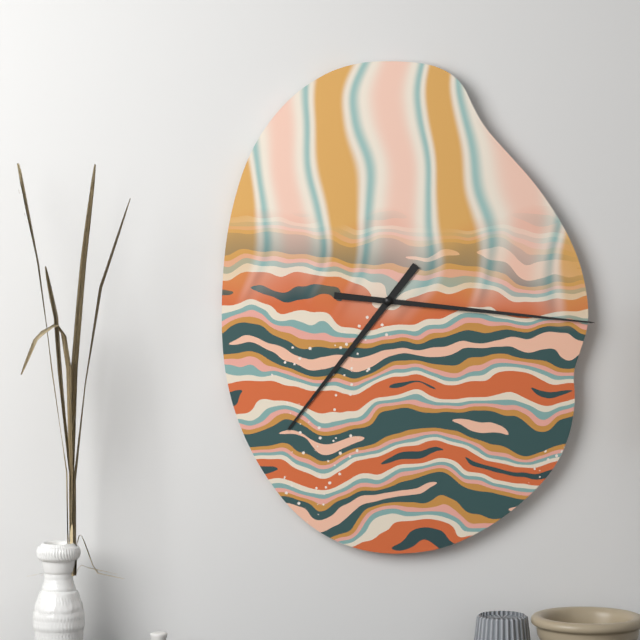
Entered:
7 h 16 min
